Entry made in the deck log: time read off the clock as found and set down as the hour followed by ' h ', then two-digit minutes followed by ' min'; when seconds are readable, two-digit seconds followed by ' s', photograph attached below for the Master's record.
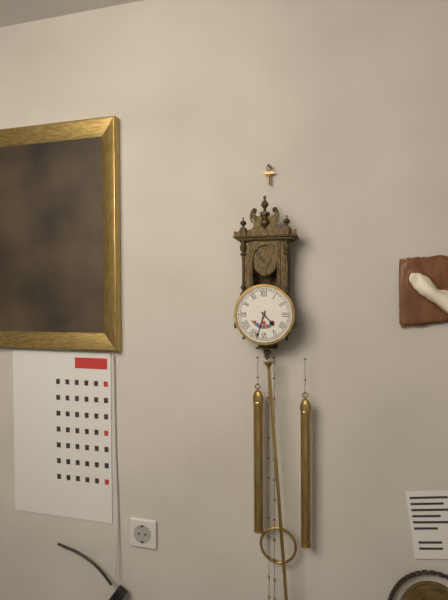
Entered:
4 h 33 min
